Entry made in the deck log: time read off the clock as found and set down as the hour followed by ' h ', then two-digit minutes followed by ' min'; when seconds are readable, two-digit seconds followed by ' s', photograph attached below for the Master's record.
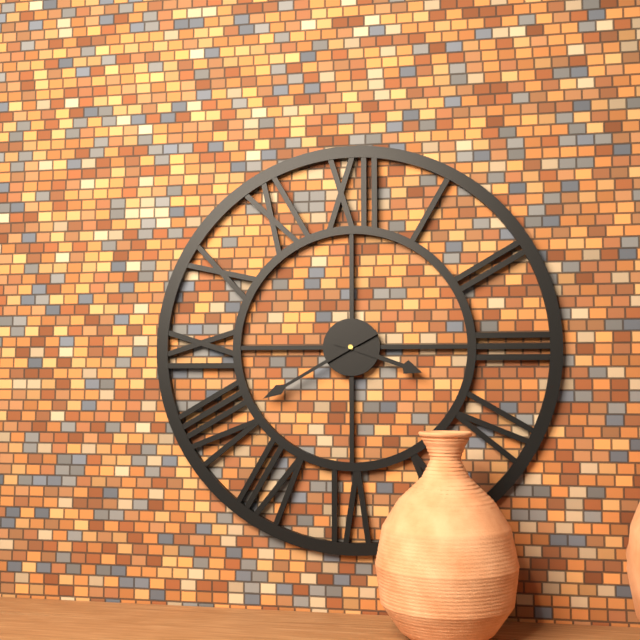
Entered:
3 h 40 min
